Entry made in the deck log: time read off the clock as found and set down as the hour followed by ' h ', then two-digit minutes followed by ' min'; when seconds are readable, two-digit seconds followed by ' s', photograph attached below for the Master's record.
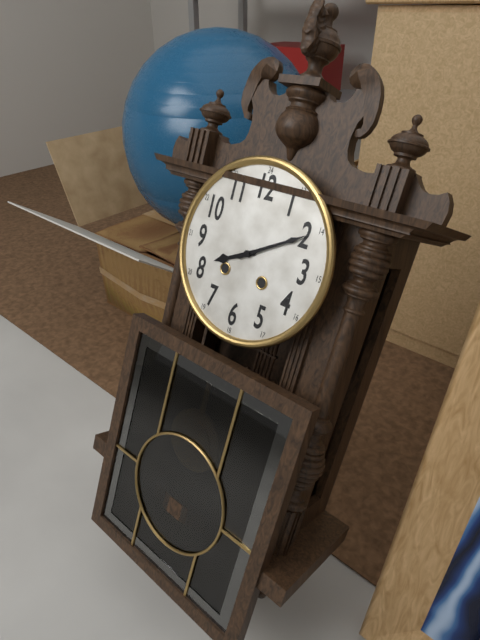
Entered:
8 h 10 min
